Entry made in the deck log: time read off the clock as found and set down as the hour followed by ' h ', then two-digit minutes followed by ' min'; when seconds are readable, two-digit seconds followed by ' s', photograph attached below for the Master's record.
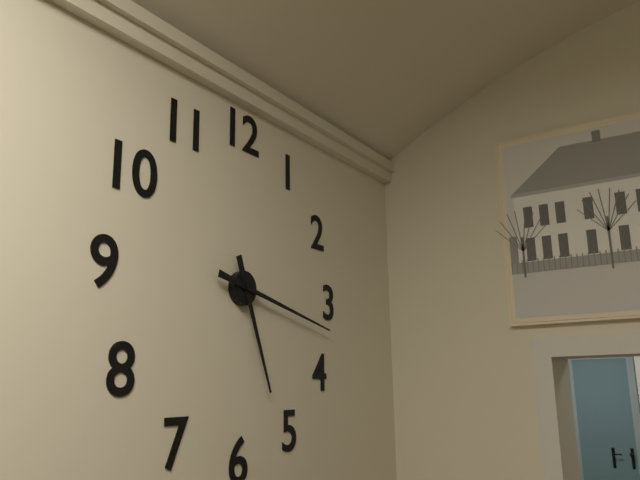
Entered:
5 h 17 min
